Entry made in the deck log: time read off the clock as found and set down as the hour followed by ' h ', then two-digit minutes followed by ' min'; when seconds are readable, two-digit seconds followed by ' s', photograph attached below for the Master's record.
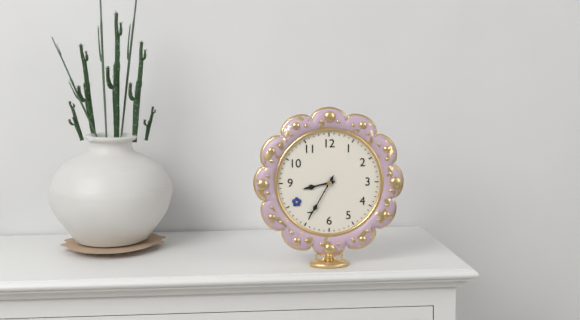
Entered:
8 h 35 min
